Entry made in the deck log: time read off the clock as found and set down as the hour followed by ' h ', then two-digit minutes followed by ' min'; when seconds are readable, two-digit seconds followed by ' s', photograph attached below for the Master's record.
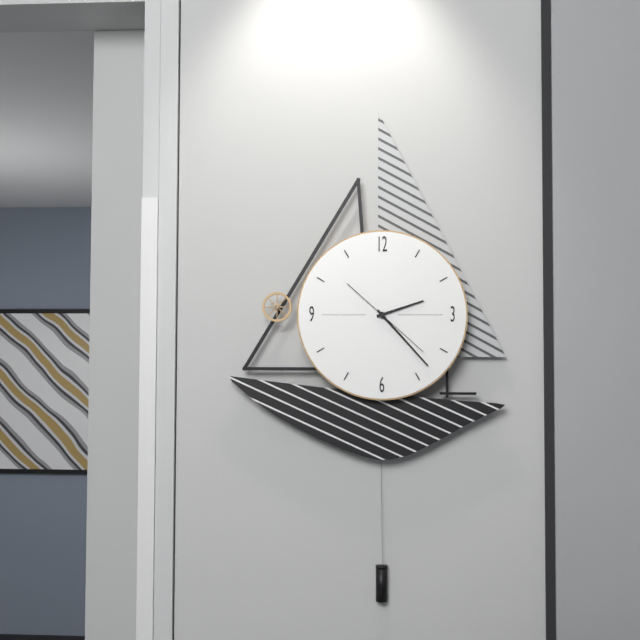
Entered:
2 h 23 min 22 s
